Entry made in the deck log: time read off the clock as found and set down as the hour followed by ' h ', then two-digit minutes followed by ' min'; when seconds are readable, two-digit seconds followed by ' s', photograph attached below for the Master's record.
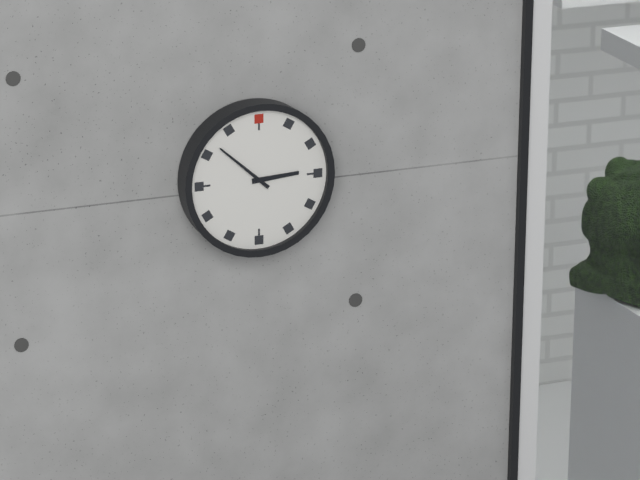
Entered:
2 h 52 min
